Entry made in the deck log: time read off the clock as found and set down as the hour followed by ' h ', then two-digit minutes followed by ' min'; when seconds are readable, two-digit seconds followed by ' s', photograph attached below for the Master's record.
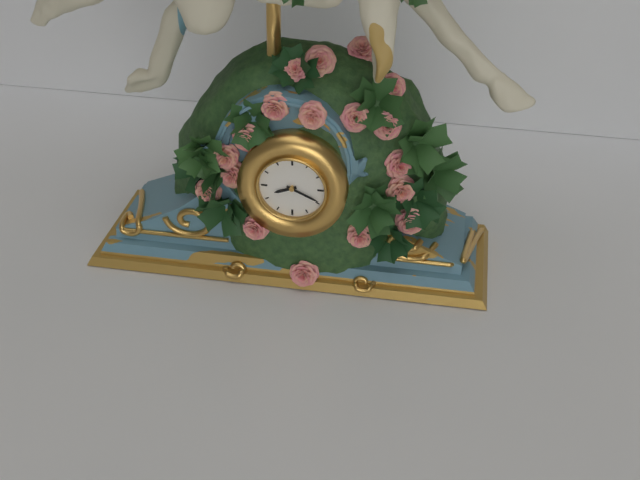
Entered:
8 h 19 min
